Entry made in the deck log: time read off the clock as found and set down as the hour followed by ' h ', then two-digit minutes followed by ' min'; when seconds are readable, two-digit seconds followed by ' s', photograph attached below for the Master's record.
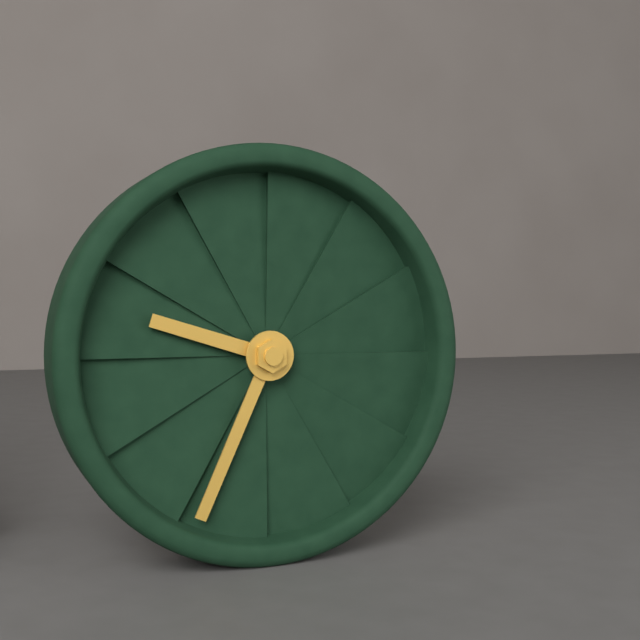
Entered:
9 h 34 min
